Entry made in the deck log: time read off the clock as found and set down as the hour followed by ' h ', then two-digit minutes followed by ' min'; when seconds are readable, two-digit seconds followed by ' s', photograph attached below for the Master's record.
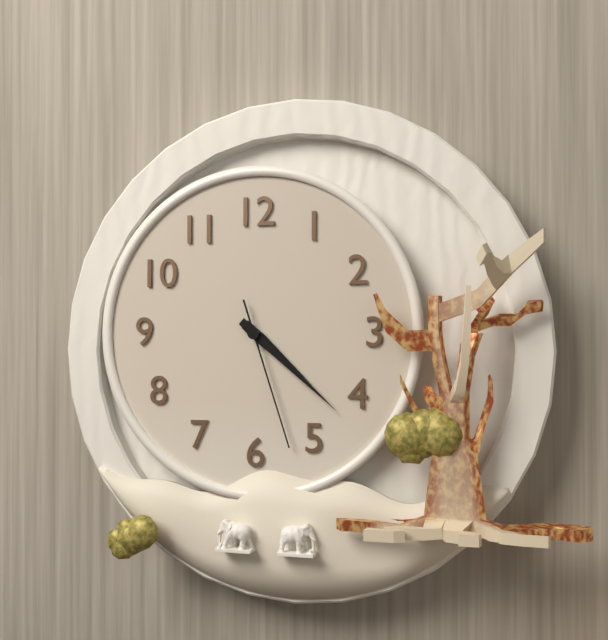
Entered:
4 h 22 min 27 s
